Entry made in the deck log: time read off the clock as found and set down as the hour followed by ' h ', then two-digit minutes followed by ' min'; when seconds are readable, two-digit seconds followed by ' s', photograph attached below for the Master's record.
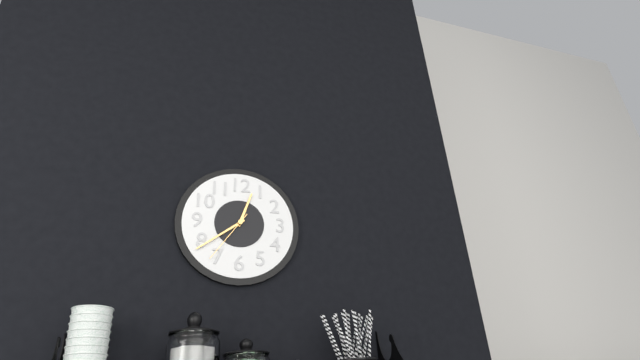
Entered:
12 h 39 min 36 s
